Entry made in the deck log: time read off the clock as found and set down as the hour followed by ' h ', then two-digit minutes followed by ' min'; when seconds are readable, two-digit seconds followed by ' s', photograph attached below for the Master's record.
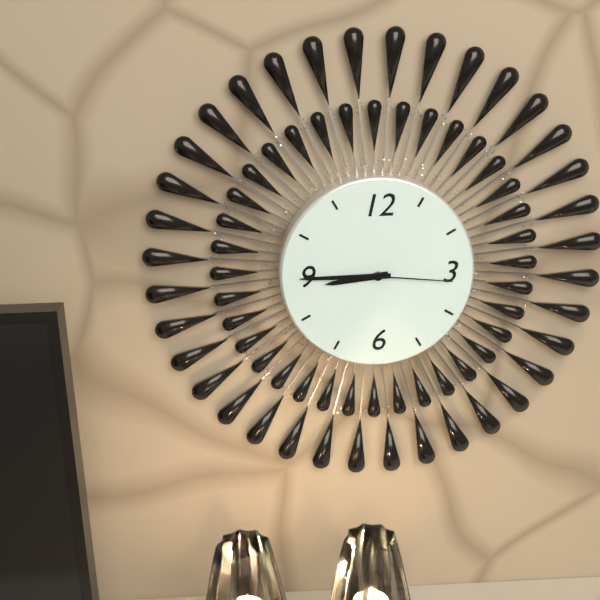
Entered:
8 h 45 min 16 s
